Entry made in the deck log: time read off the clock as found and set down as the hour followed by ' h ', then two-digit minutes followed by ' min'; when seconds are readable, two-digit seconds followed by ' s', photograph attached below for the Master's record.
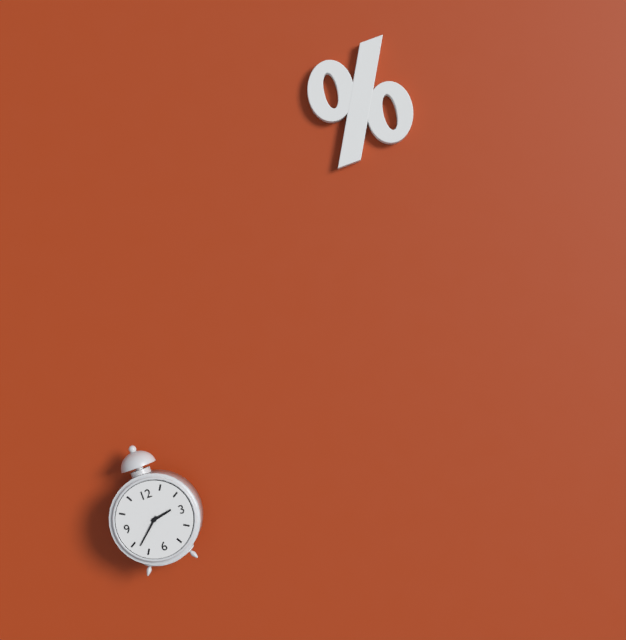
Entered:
2 h 38 min
